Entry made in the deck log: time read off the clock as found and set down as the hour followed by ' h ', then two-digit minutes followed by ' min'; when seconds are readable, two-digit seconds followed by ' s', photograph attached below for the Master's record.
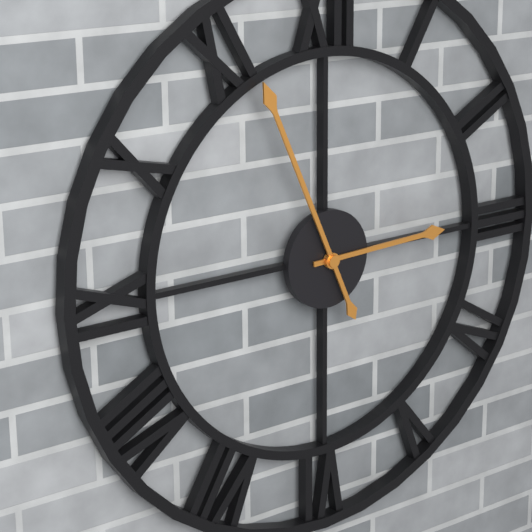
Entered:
2 h 56 min
